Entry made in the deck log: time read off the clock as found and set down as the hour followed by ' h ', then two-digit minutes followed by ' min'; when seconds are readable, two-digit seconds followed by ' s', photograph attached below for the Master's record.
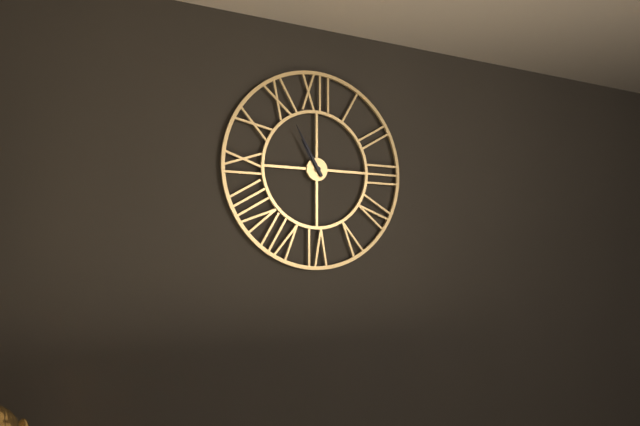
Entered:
10 h 55 min
